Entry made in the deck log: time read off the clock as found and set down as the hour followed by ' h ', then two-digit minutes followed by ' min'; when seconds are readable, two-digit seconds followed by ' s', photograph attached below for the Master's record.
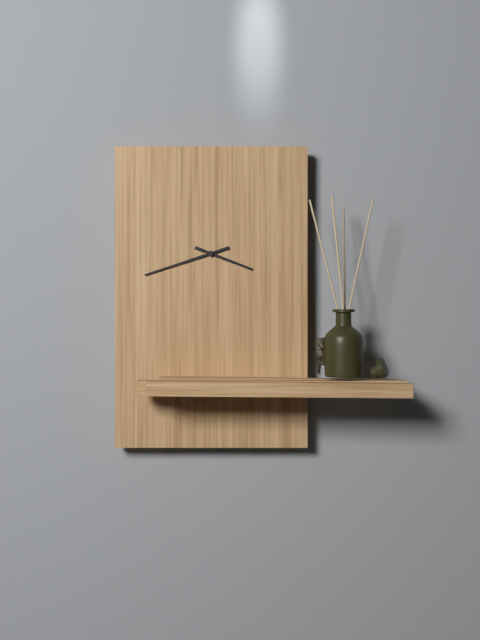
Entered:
3 h 42 min
